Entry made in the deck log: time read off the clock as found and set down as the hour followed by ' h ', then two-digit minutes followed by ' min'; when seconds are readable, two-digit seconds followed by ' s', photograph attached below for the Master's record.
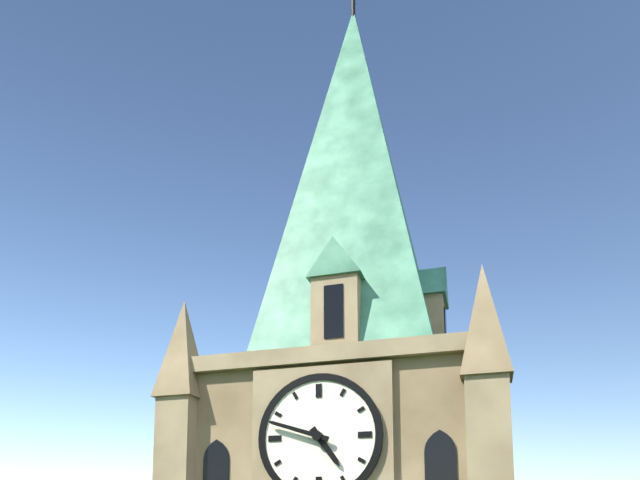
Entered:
4 h 48 min
